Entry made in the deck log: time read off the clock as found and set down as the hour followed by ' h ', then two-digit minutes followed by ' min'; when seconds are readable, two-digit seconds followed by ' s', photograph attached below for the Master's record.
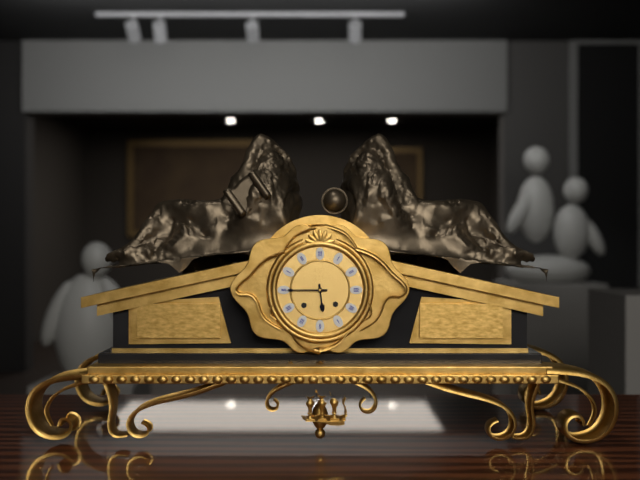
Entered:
5 h 45 min
